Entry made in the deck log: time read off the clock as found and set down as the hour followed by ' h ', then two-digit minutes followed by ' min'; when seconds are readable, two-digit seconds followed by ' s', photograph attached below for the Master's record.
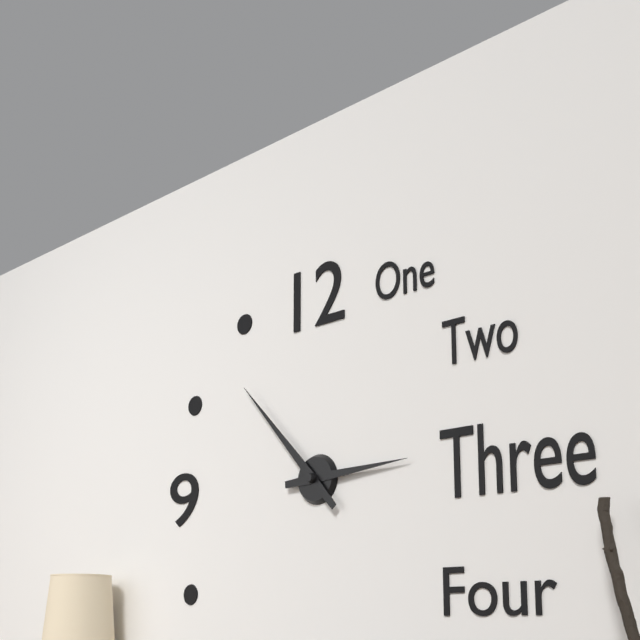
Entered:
2 h 53 min
